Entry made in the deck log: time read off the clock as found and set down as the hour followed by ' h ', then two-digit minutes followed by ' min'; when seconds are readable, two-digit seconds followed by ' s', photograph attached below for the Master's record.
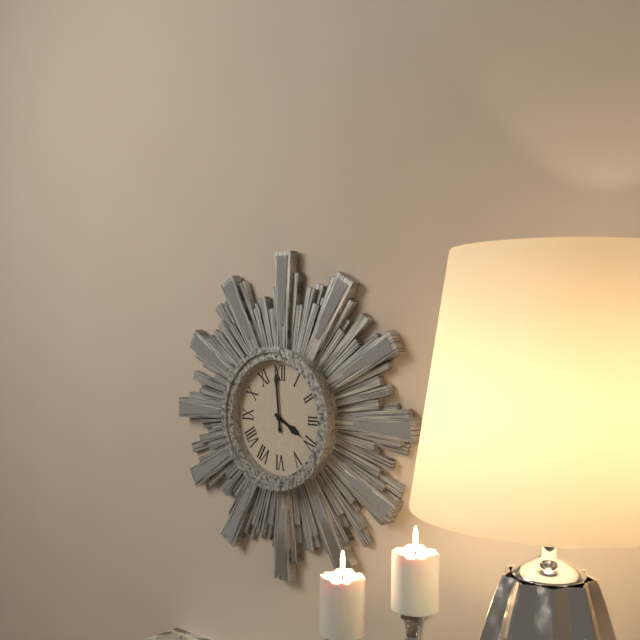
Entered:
3 h 59 min
